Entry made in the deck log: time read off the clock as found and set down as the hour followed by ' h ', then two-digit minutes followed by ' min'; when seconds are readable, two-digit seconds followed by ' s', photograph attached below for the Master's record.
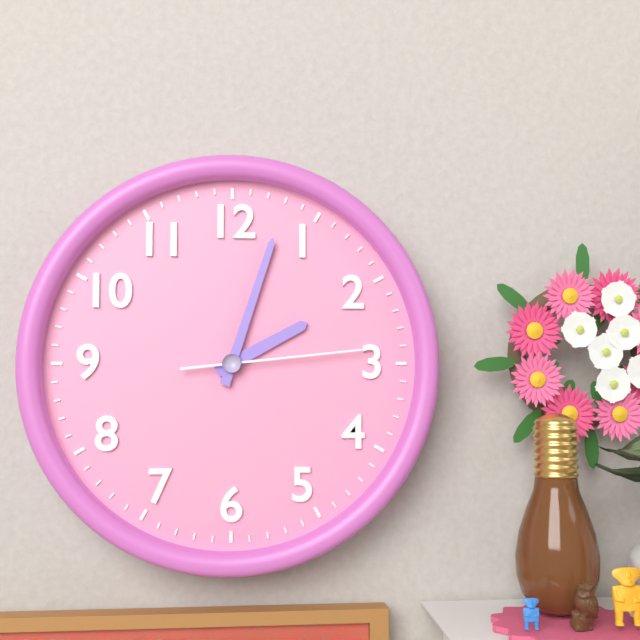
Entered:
2 h 03 min 14 s
